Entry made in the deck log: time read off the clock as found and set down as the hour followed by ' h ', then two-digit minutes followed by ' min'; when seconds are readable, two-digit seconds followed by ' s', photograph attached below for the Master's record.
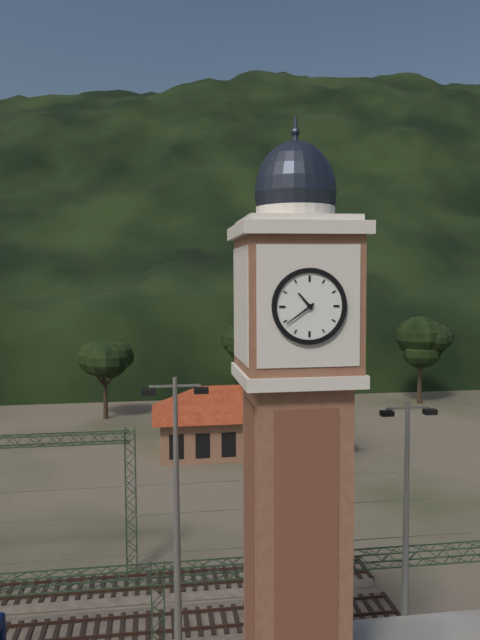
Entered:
10 h 39 min
